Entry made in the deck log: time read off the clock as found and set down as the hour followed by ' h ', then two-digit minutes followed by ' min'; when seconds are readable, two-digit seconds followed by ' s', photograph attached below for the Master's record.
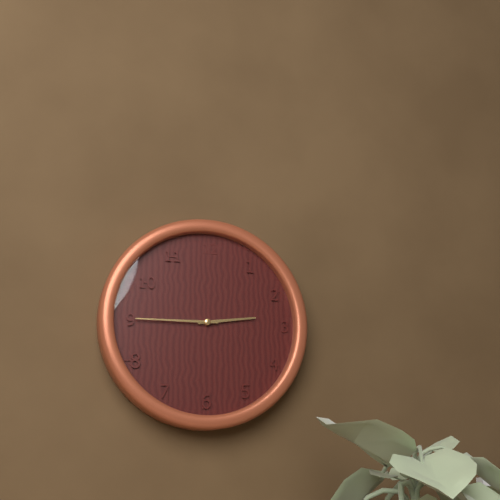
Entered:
2 h 45 min
